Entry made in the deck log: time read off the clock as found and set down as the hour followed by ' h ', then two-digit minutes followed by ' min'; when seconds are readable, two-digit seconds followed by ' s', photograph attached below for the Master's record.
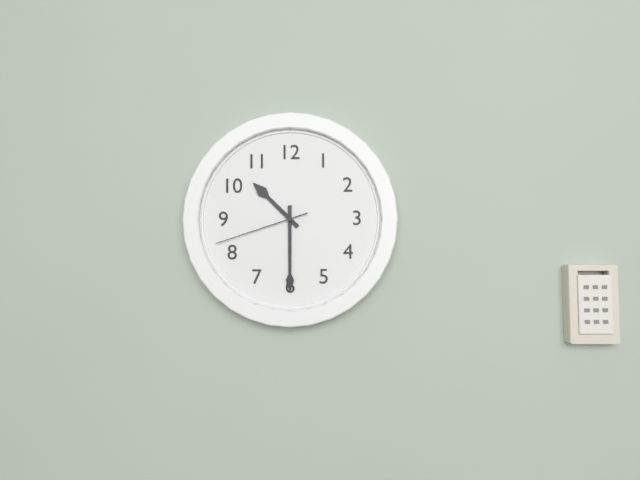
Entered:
10 h 30 min 42 s
